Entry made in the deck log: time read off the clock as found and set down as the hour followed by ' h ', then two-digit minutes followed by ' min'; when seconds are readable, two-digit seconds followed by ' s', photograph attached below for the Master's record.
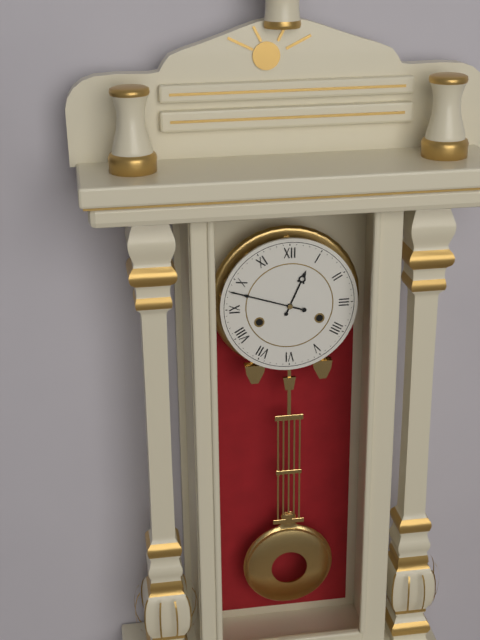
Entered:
12 h 48 min
